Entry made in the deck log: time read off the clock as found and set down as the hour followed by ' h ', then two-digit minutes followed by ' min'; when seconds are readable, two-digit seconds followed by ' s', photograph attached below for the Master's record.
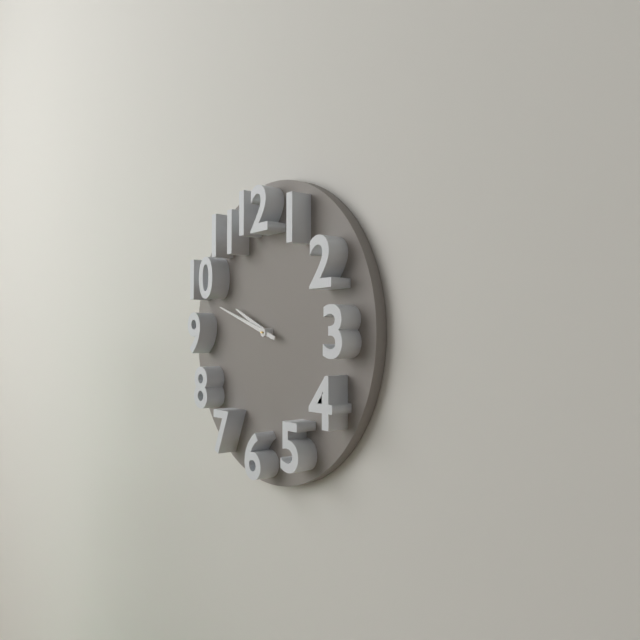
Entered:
9 h 48 min
